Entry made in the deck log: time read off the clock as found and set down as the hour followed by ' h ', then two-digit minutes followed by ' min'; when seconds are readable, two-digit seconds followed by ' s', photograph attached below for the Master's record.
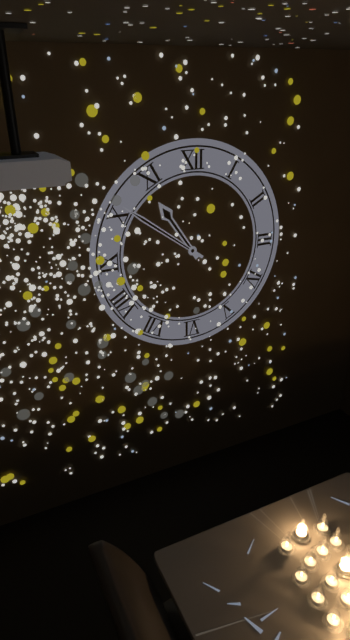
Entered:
10 h 51 min
